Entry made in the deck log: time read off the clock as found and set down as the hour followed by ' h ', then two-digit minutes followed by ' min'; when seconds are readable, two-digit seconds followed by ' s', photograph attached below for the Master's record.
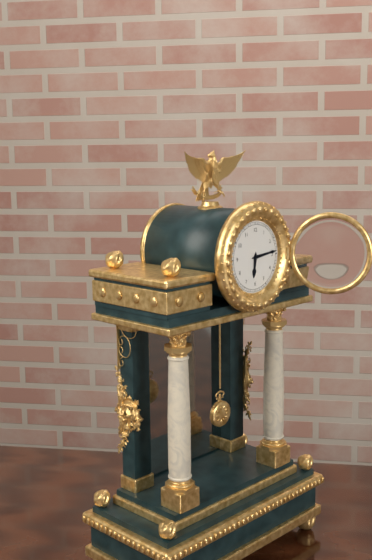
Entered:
6 h 14 min
